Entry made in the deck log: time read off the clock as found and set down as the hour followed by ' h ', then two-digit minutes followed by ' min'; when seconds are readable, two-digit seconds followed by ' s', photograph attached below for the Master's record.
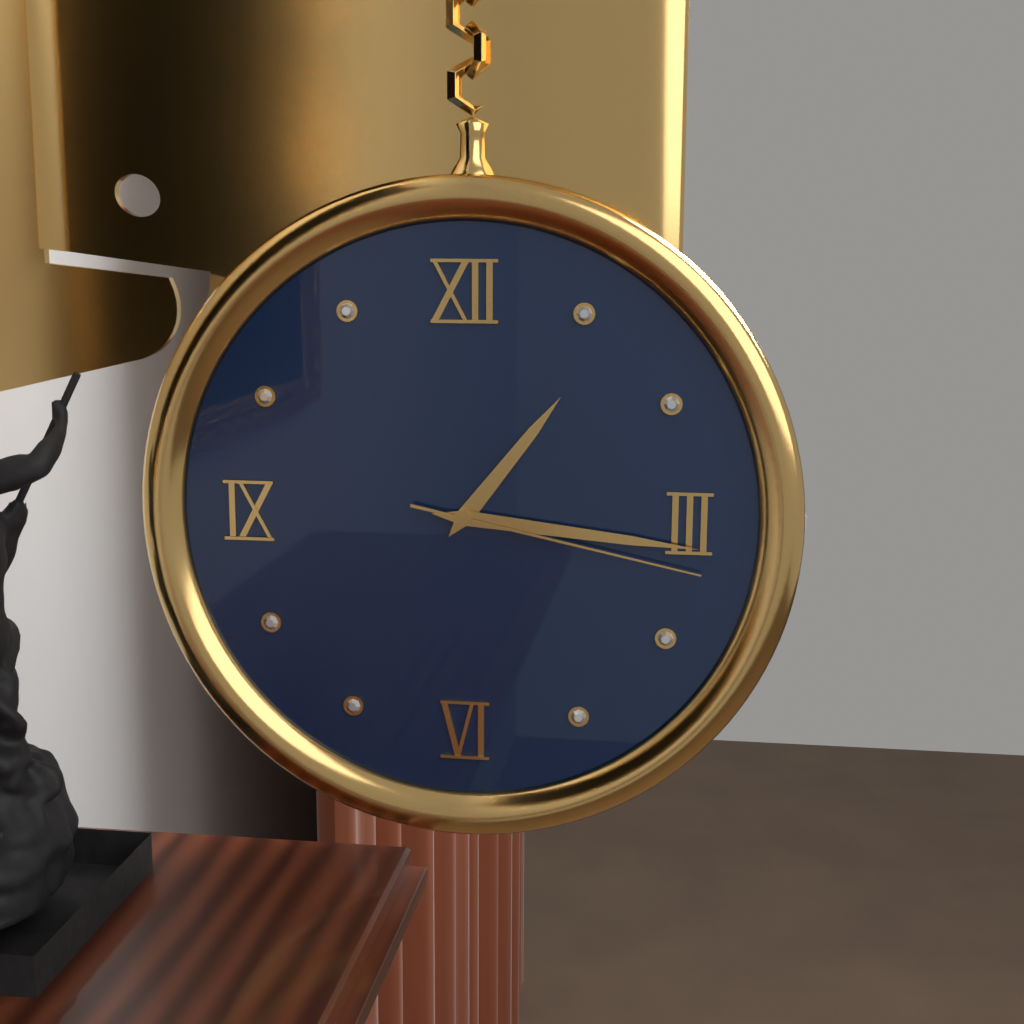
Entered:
1 h 16 min 17 s
